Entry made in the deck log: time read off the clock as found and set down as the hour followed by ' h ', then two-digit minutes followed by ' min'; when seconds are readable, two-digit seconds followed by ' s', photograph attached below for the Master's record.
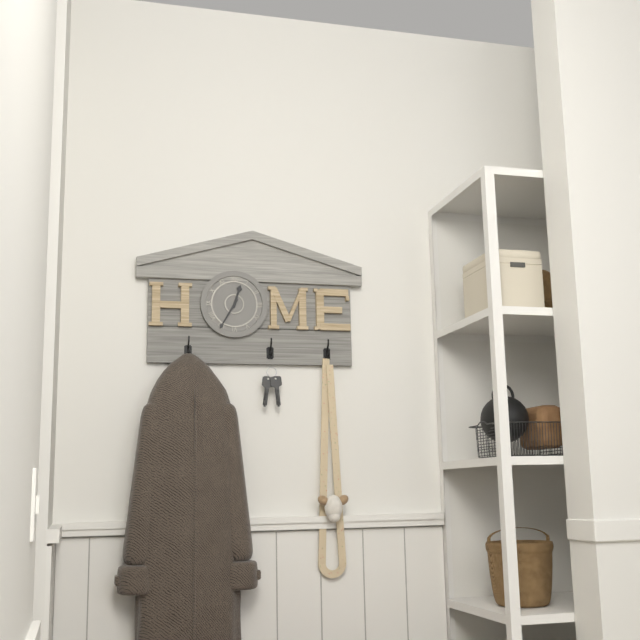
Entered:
12 h 35 min
